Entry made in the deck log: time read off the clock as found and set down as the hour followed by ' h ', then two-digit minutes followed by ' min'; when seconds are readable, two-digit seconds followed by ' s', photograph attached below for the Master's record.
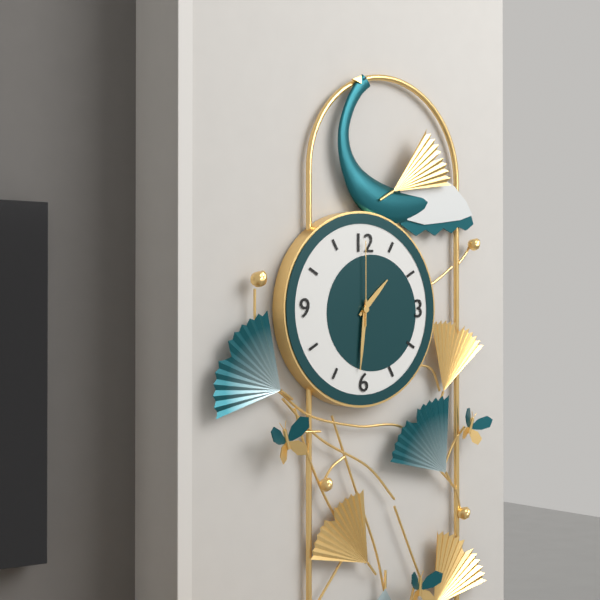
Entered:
1 h 31 min 00 s
